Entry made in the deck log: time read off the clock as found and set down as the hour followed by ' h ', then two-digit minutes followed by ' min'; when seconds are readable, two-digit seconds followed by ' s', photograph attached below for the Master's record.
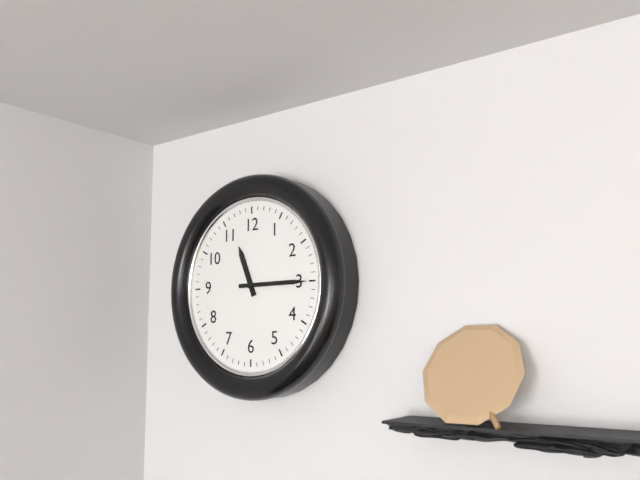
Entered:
11 h 15 min
